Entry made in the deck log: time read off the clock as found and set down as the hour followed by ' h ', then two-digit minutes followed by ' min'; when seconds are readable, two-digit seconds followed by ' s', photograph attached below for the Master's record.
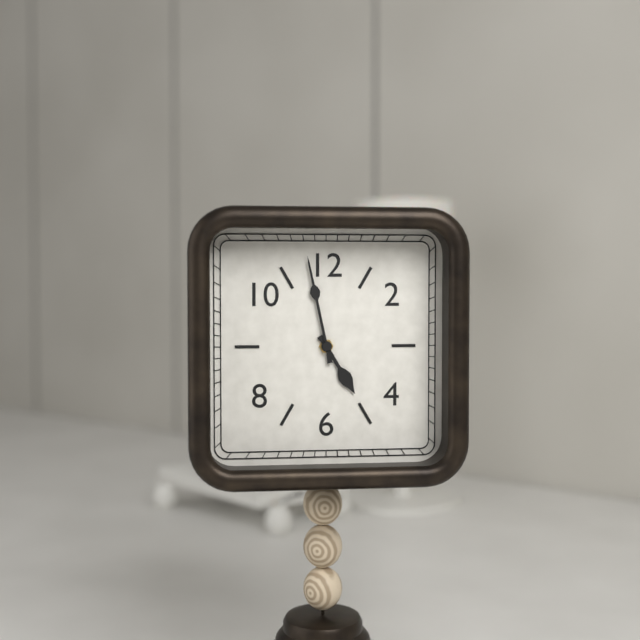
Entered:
4 h 58 min
